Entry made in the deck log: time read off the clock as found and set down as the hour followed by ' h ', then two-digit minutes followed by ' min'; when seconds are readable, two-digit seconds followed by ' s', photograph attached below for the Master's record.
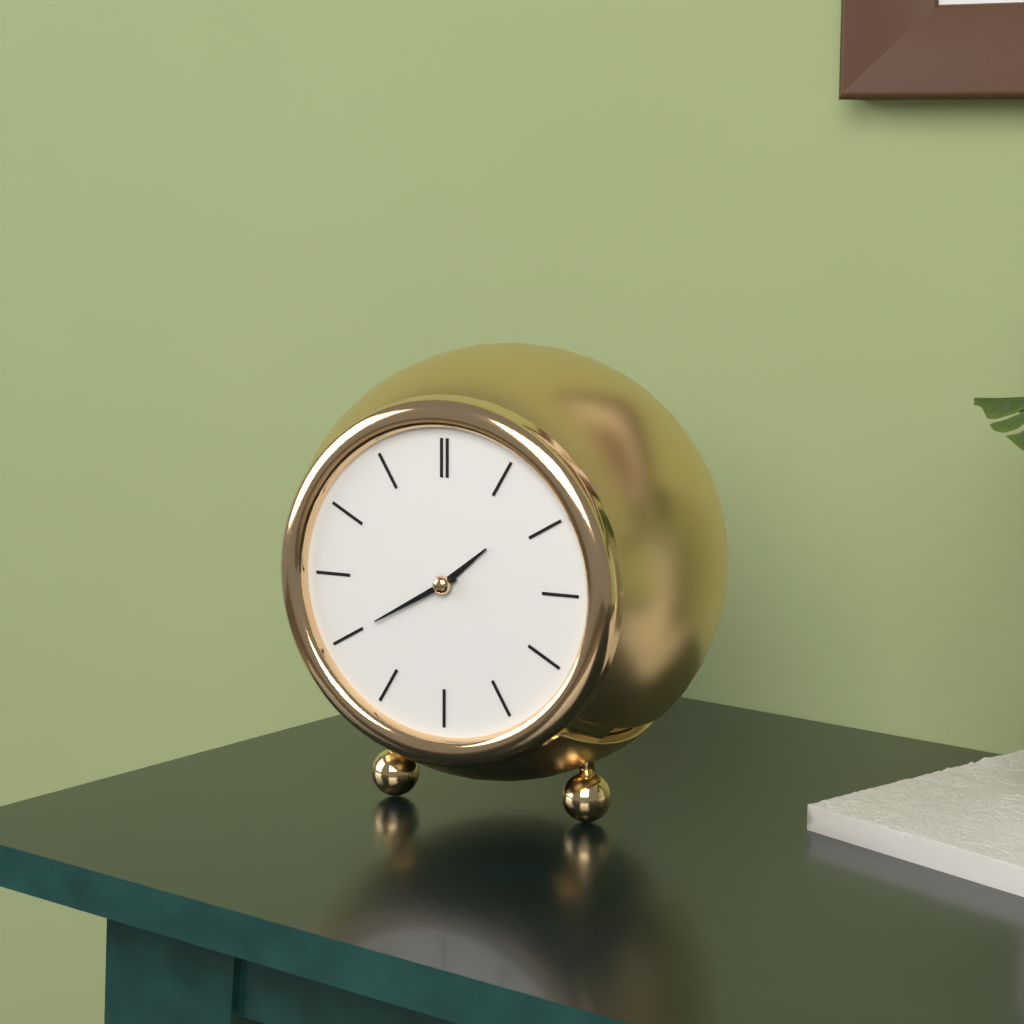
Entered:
1 h 40 min
